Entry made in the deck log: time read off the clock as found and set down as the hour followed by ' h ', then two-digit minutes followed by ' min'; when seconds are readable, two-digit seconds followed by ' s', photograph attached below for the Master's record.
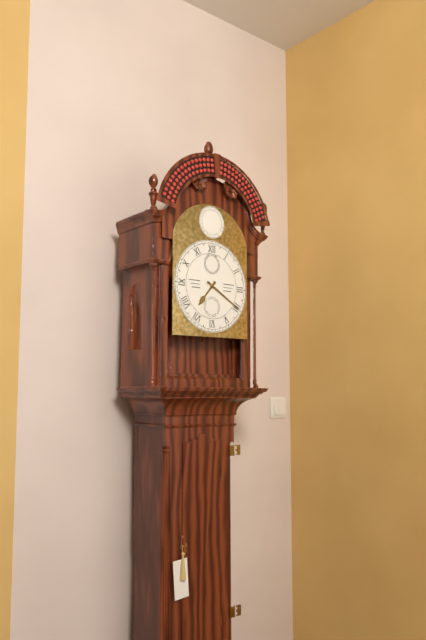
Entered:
7 h 20 min
